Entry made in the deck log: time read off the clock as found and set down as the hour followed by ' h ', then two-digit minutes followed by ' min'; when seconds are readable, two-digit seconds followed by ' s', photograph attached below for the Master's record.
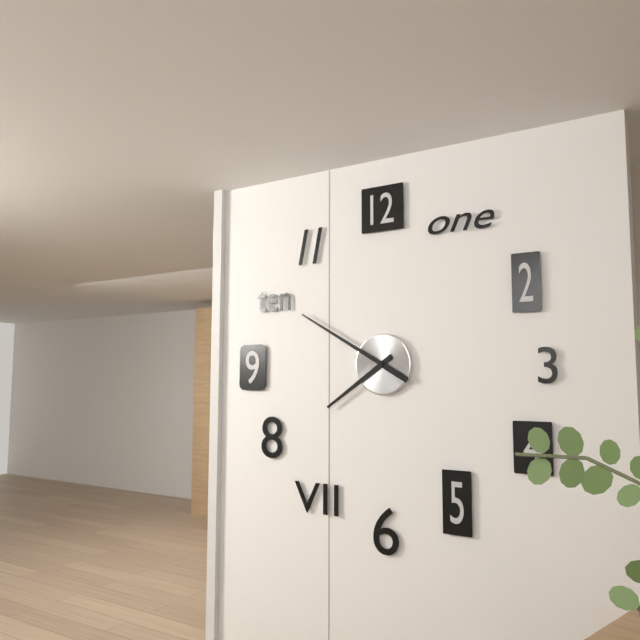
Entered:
7 h 50 min
